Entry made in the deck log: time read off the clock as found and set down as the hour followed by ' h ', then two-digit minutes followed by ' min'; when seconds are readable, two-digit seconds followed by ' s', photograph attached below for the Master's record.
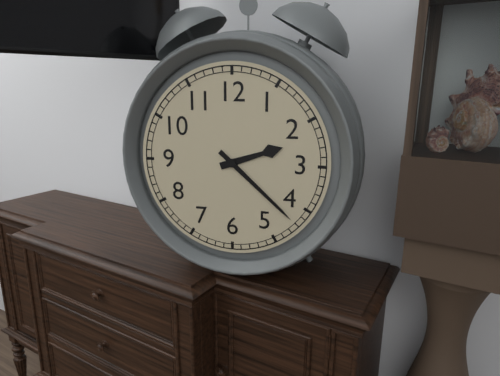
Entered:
2 h 22 min
